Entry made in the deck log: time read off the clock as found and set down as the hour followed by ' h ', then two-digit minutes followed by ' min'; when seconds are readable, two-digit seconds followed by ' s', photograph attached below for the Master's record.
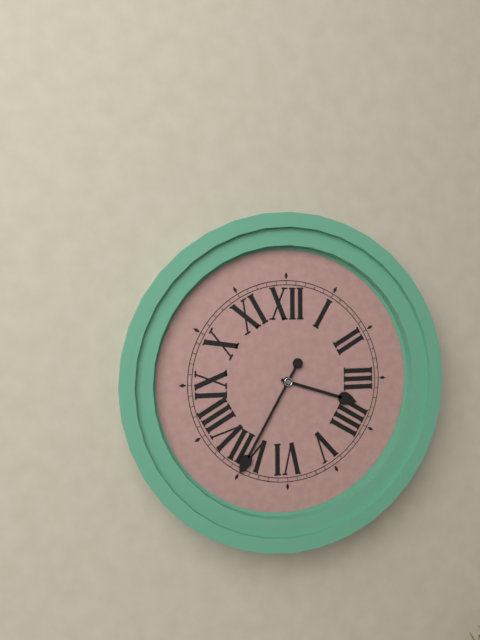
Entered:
3 h 35 min
